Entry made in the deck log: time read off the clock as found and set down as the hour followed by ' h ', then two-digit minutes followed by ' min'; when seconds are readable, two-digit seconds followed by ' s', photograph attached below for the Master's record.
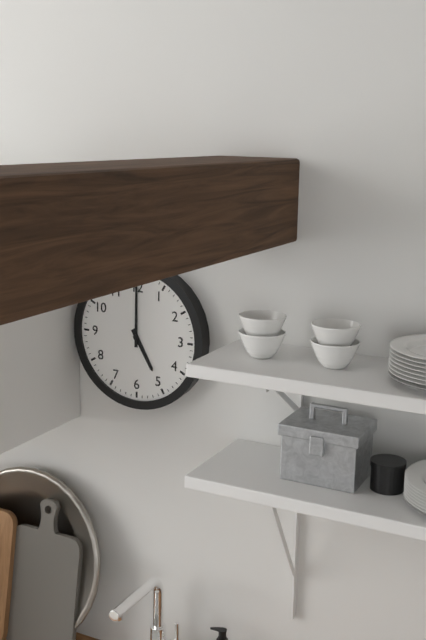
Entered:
5 h 00 min
